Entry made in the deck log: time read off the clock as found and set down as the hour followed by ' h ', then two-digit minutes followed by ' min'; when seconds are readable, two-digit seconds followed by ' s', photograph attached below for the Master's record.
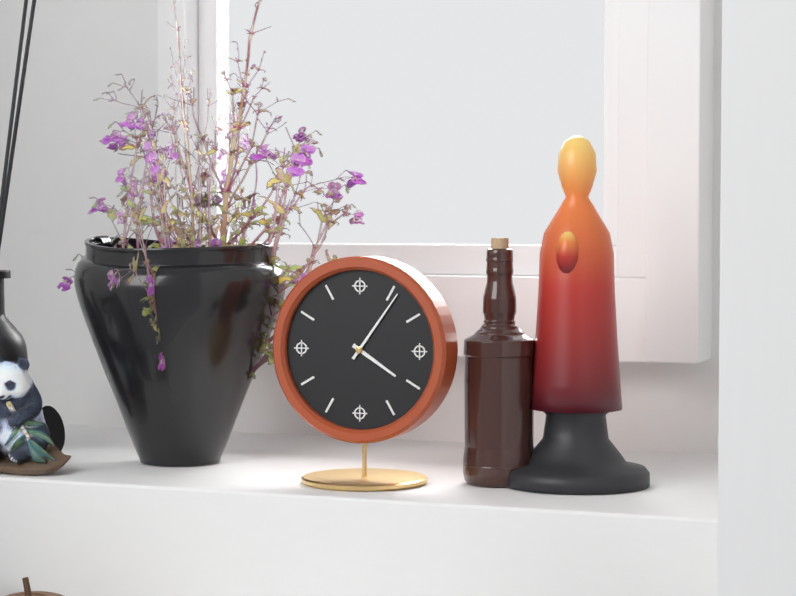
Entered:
4 h 06 min
